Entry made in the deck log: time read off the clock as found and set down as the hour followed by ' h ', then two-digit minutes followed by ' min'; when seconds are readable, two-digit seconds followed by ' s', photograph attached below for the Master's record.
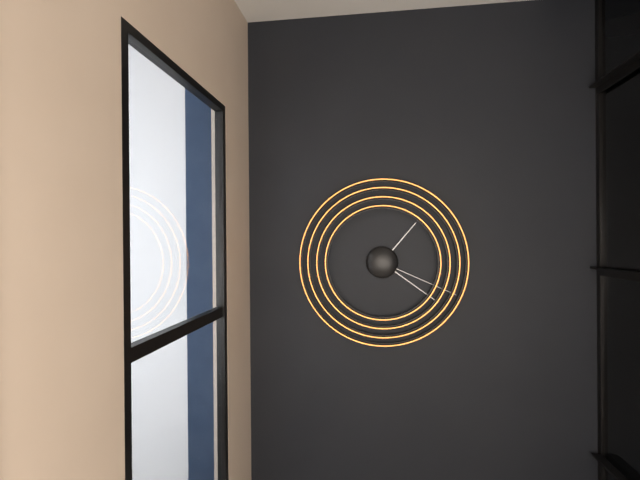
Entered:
1 h 21 min 19 s
